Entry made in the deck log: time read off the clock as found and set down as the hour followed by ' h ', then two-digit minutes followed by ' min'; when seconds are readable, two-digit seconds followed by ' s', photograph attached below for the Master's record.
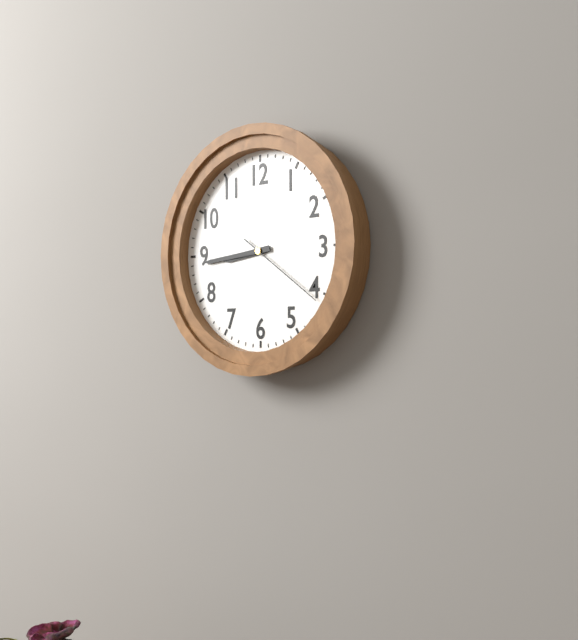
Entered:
8 h 44 min 21 s
